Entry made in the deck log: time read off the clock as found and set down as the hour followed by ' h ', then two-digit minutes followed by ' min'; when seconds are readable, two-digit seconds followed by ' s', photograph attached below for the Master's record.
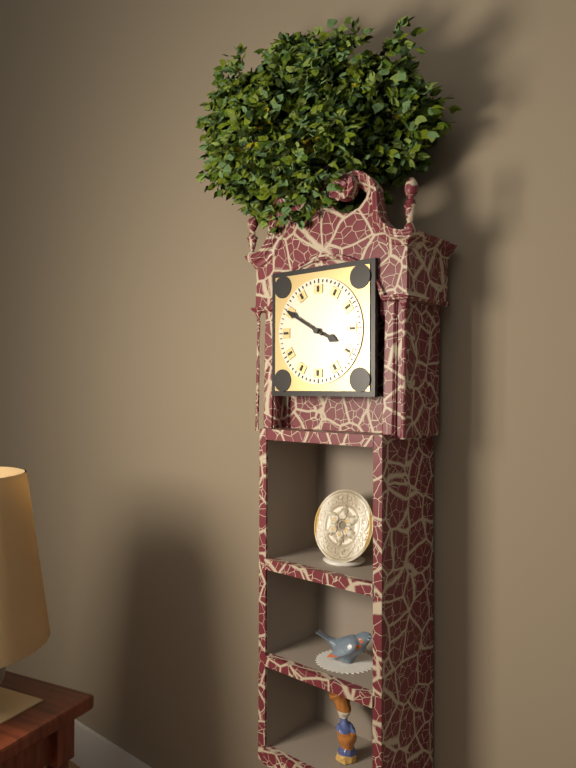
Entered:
3 h 50 min
